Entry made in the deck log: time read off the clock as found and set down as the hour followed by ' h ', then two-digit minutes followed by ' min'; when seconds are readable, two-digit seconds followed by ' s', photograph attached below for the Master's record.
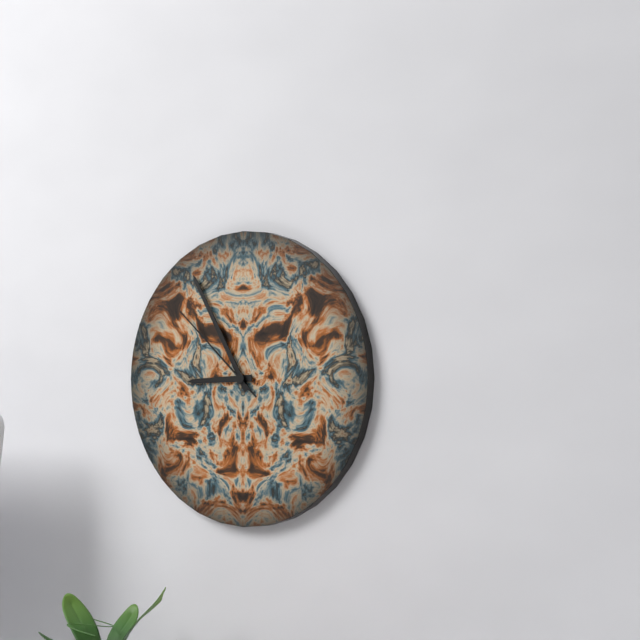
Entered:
8 h 55 min 52 s
